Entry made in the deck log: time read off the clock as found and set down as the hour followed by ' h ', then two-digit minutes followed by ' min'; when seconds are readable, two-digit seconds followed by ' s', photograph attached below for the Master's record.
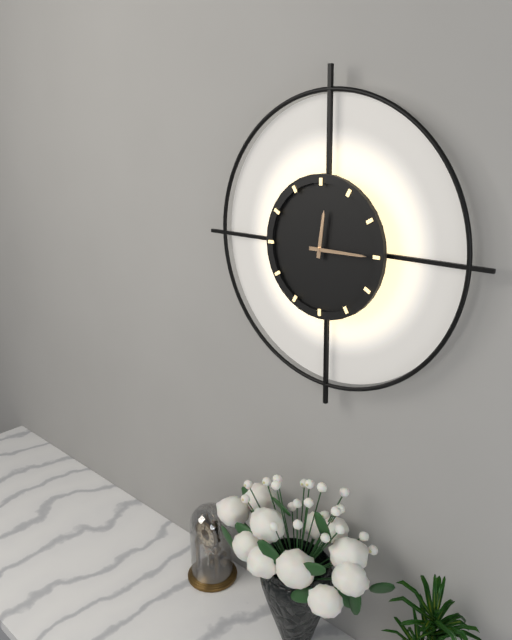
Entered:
12 h 15 min
